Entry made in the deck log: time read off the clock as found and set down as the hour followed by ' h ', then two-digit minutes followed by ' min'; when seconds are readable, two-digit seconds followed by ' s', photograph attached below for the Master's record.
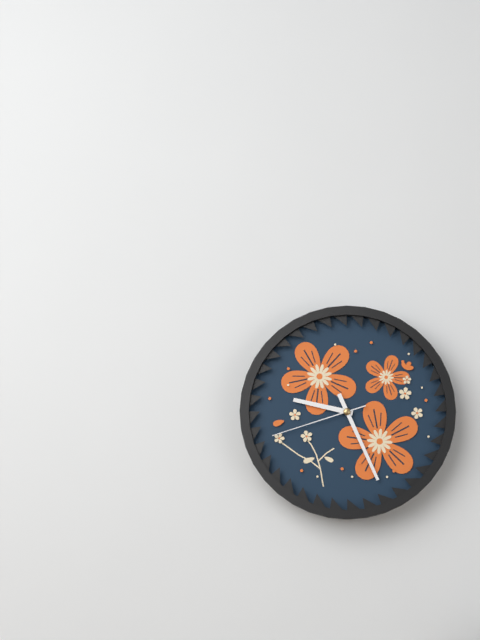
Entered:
9 h 26 min 42 s
